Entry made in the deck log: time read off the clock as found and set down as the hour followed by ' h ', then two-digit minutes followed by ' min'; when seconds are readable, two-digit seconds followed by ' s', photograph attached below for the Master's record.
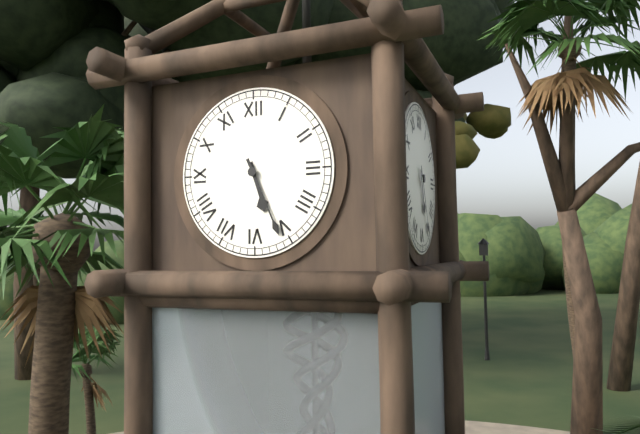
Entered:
5 h 26 min
